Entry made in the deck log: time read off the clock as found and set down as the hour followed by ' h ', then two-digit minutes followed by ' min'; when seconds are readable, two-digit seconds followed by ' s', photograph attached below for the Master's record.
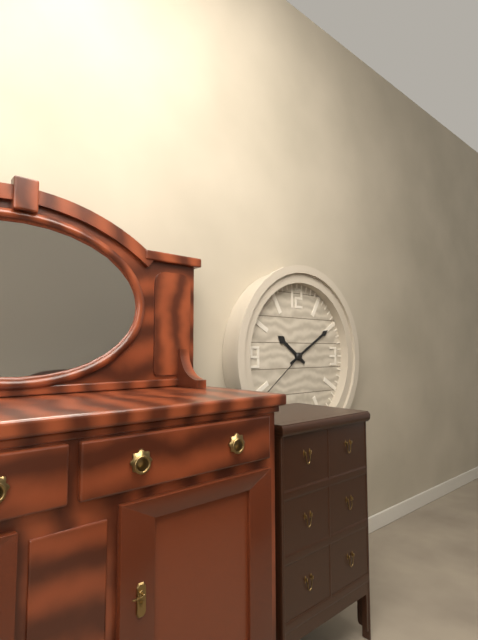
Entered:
10 h 10 min 39 s
